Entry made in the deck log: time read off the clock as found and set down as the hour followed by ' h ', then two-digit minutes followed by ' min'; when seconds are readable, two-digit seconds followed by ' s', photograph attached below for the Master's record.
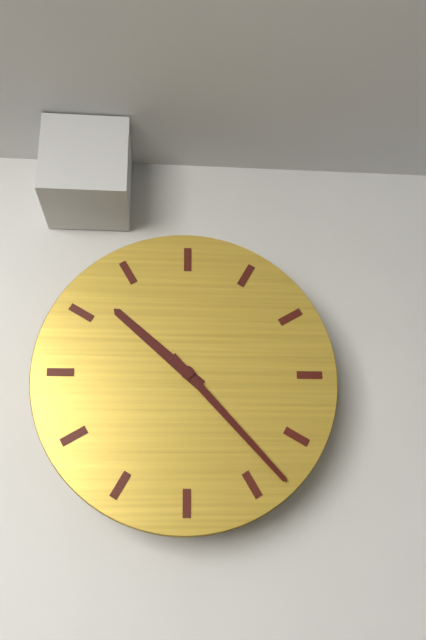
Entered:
10 h 23 min
